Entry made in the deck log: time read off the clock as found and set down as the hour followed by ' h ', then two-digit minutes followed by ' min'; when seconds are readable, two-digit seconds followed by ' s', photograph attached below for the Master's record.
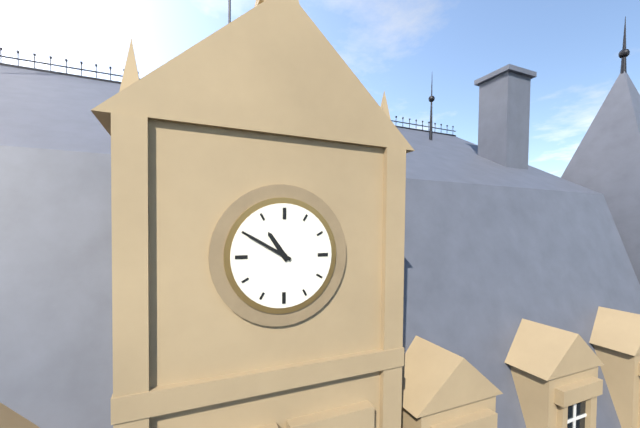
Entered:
10 h 50 min
